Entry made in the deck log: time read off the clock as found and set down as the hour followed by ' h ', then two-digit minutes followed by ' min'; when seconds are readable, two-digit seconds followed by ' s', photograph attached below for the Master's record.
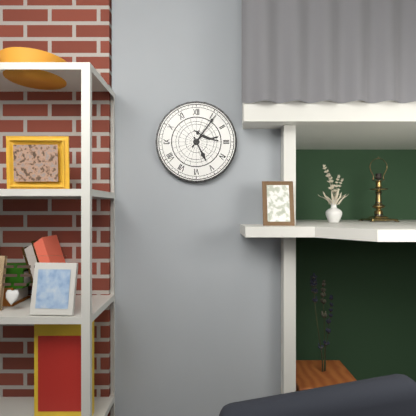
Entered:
5 h 06 min
